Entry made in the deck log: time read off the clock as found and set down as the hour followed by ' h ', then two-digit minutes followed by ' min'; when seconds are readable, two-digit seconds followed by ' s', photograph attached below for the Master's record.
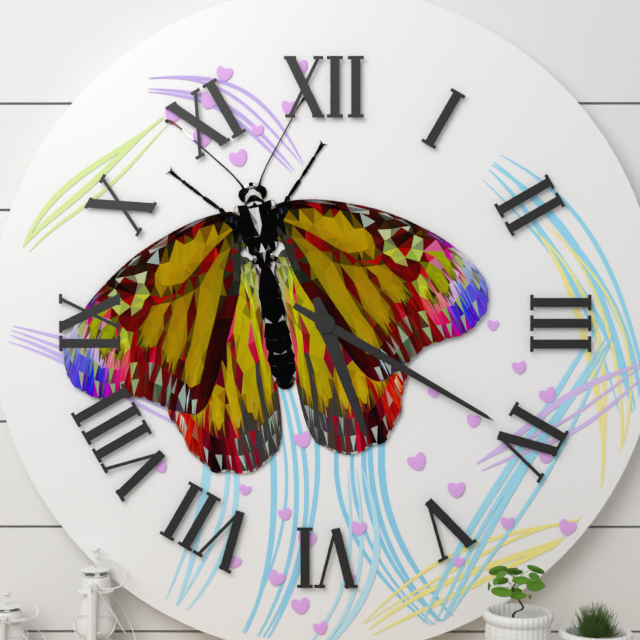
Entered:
5 h 20 min
